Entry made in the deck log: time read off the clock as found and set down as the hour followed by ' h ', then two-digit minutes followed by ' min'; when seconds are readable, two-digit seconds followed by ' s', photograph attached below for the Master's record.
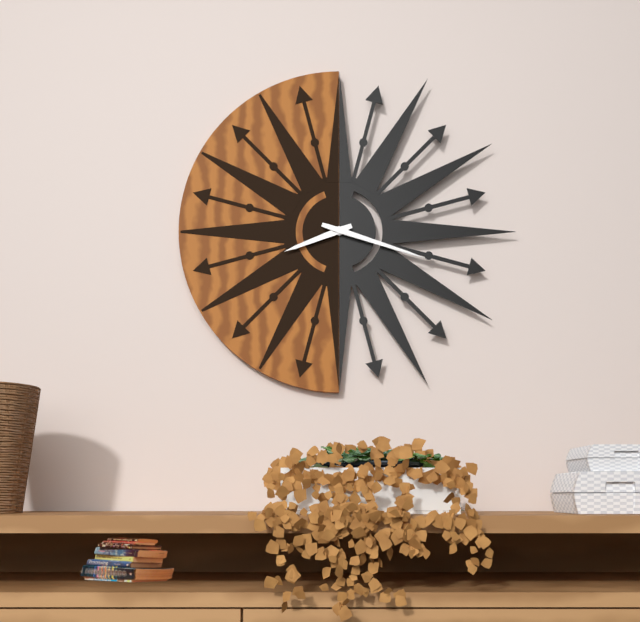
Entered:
8 h 18 min
